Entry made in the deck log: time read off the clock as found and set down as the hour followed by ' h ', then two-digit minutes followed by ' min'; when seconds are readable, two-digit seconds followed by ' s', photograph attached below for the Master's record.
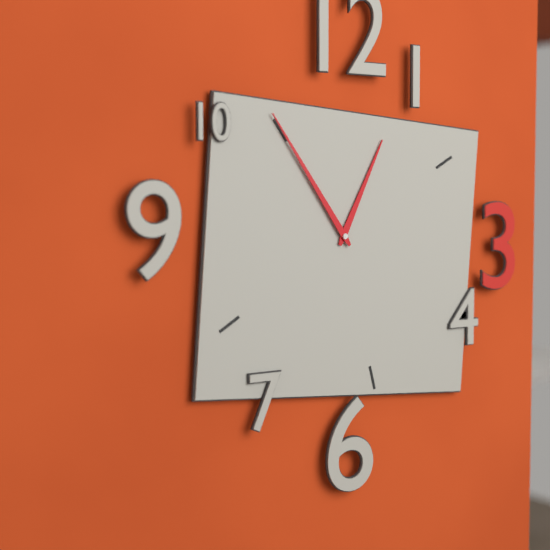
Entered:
12 h 54 min
